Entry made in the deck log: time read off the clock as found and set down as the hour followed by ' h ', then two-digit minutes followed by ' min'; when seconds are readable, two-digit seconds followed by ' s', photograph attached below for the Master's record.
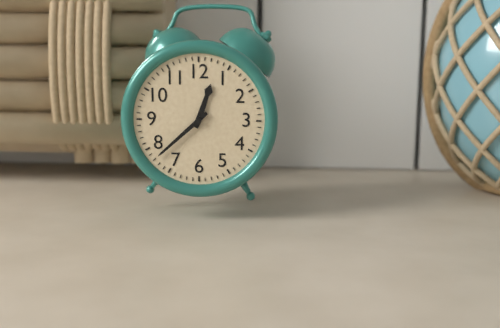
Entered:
12 h 38 min
